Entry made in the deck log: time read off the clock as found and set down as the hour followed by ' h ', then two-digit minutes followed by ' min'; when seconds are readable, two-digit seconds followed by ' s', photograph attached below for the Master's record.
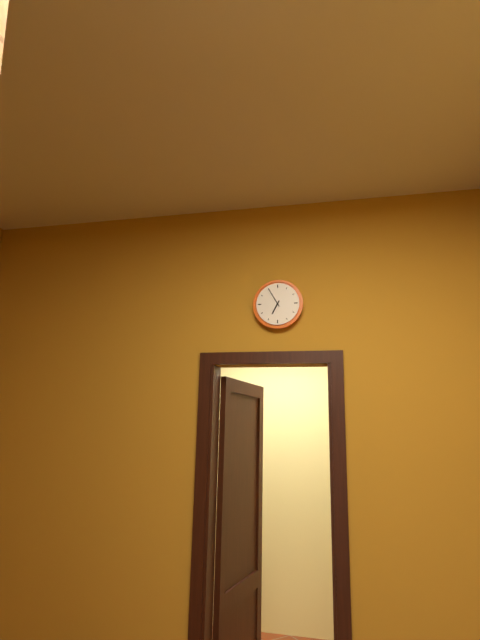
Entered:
6 h 55 min
